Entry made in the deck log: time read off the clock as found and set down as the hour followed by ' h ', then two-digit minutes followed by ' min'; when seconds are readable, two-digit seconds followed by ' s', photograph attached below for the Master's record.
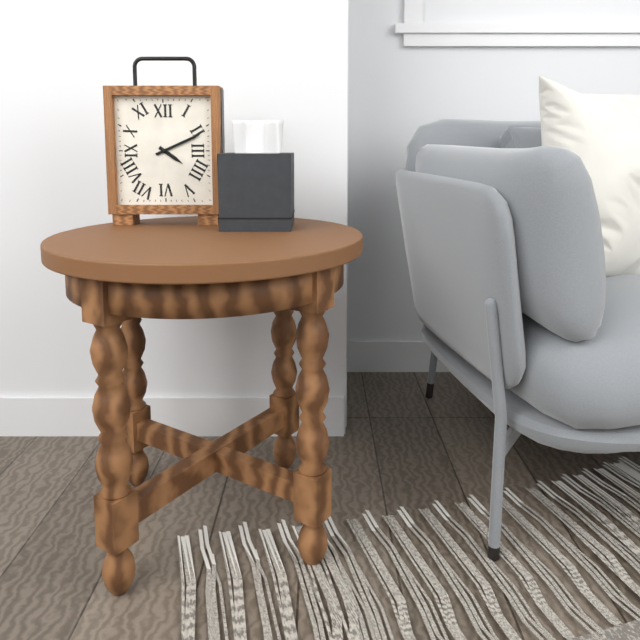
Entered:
4 h 11 min
